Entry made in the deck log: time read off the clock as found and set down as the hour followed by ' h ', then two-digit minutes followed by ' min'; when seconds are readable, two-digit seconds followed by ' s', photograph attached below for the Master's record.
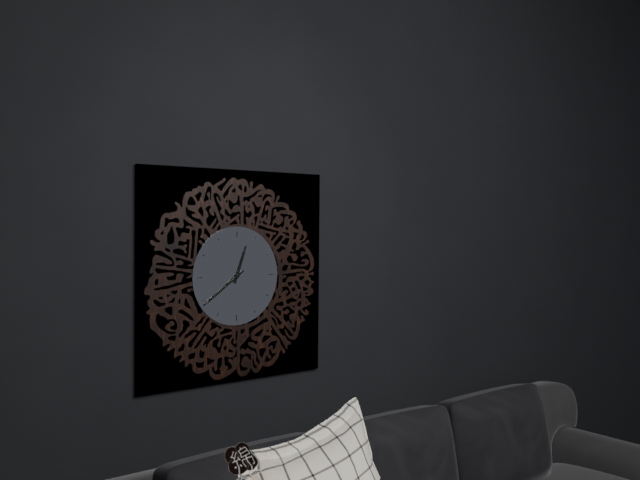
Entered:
12 h 39 min
